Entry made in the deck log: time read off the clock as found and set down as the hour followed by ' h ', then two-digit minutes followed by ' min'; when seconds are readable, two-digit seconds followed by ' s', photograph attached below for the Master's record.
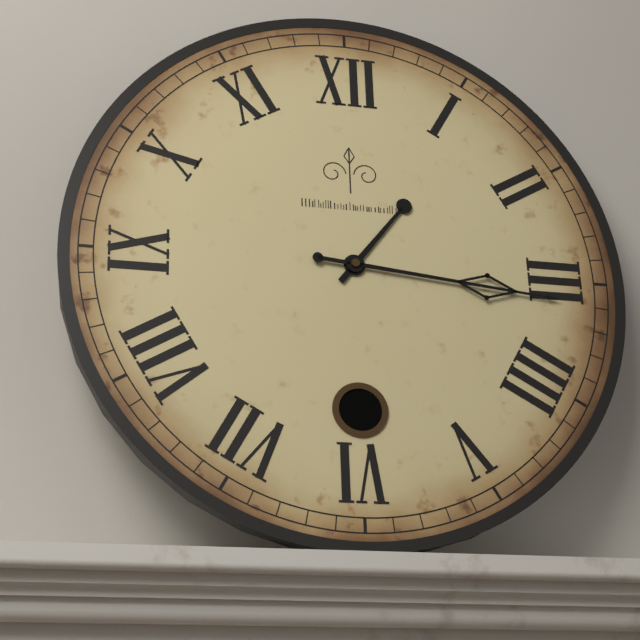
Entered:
1 h 16 min
